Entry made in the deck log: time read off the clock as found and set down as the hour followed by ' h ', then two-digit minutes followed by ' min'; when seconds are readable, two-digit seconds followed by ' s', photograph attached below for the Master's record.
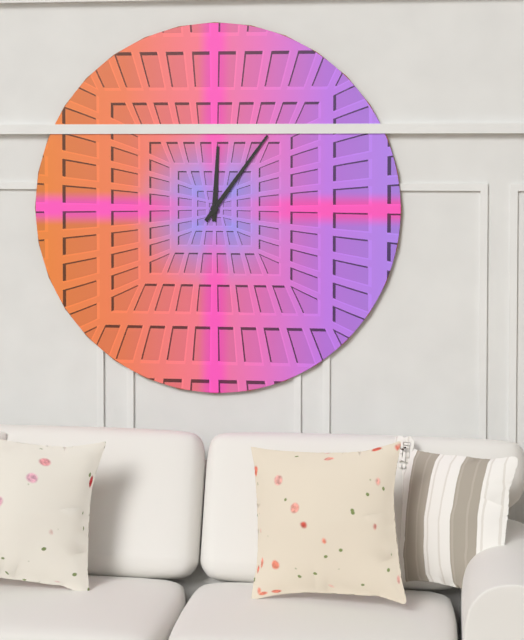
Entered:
12 h 06 min
